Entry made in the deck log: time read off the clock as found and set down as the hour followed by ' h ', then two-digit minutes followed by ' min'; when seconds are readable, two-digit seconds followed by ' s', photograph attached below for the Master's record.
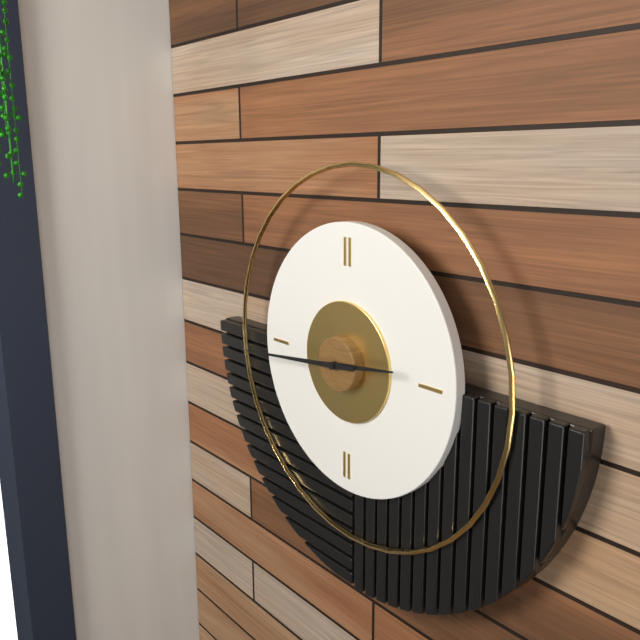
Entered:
2 h 44 min
